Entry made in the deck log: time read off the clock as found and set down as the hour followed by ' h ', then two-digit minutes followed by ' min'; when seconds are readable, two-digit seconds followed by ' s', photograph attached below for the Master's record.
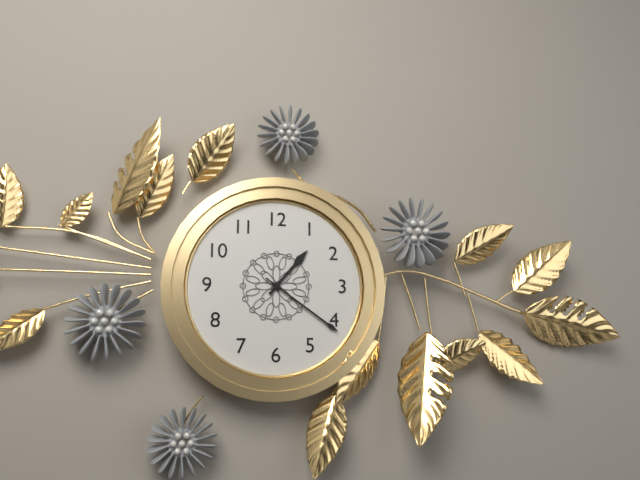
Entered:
1 h 21 min
